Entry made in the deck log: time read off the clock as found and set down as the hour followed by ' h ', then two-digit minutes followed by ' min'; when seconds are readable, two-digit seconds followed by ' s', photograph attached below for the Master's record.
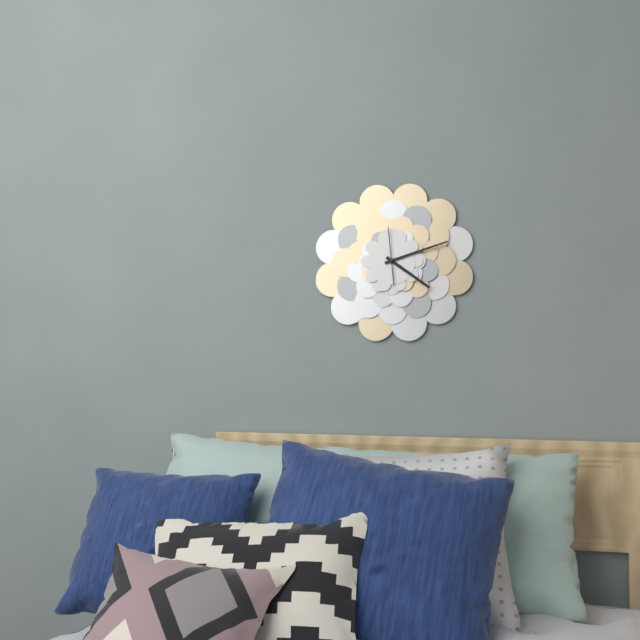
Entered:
4 h 12 min
